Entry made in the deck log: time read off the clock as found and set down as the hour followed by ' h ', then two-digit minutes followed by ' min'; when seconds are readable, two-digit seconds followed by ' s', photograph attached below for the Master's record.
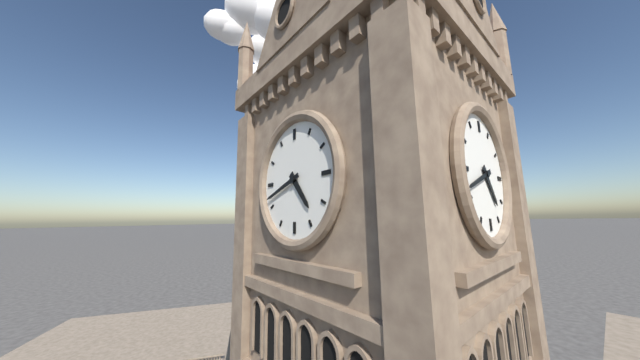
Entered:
4 h 42 min
